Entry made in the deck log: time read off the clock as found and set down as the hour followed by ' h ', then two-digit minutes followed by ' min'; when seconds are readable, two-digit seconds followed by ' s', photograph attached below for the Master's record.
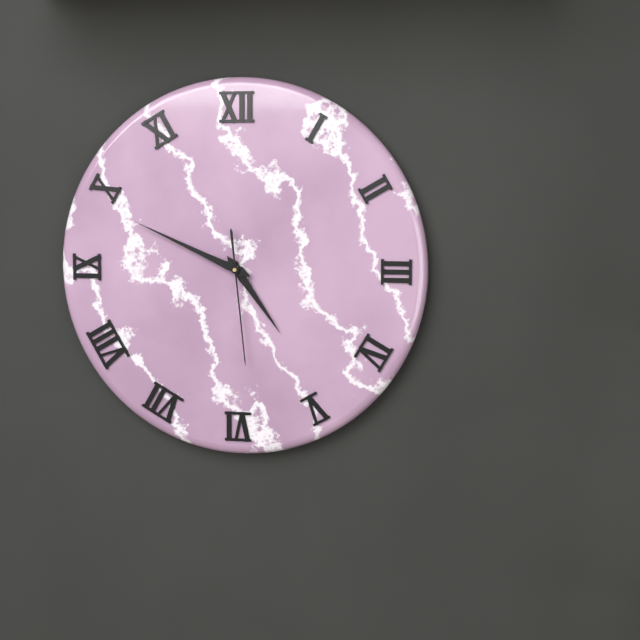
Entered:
4 h 49 min 29 s
